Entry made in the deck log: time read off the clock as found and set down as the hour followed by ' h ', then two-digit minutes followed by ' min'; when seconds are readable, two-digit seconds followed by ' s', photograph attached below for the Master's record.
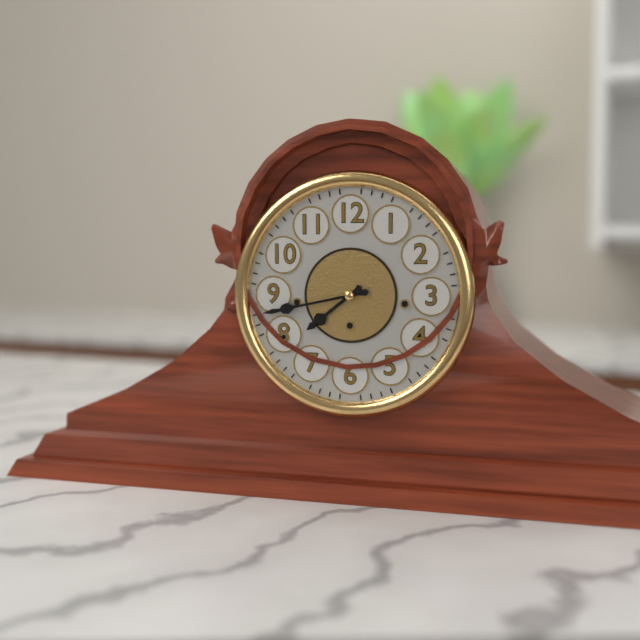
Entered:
7 h 43 min
